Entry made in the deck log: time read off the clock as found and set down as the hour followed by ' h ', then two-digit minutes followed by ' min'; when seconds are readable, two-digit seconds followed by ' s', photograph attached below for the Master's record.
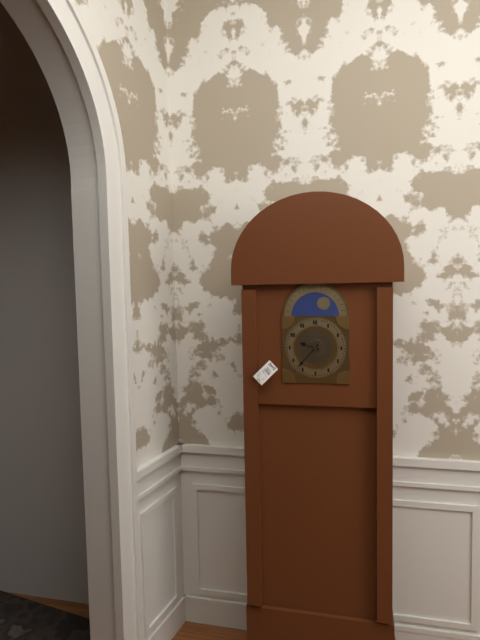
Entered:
9 h 37 min
